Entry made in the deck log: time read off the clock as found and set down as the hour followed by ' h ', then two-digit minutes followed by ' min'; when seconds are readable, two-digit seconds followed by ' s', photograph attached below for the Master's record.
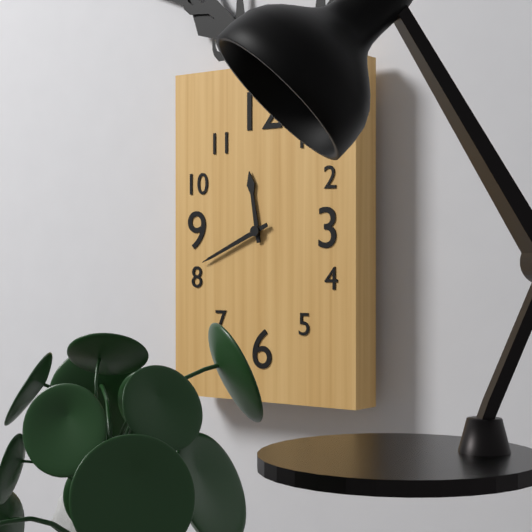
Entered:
11 h 41 min
